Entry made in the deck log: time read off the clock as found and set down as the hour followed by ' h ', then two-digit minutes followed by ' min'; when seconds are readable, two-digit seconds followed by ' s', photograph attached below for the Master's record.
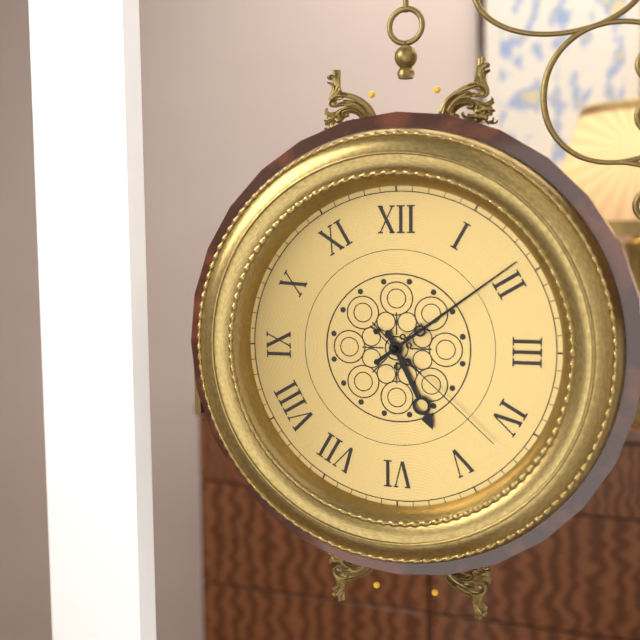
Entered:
5 h 09 min 22 s
